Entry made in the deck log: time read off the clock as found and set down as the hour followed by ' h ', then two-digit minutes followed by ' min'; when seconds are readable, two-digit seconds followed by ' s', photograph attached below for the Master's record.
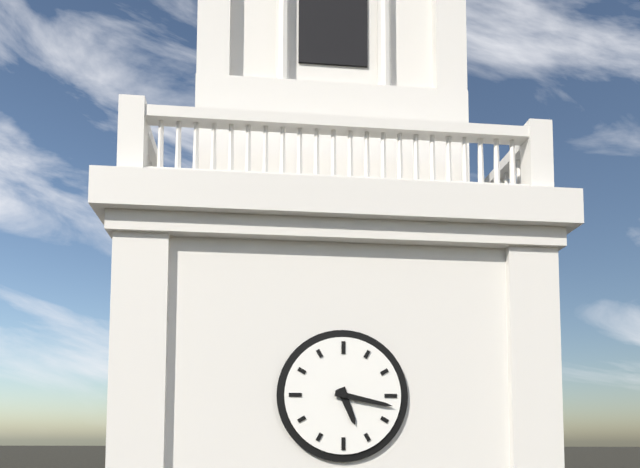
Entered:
5 h 17 min
